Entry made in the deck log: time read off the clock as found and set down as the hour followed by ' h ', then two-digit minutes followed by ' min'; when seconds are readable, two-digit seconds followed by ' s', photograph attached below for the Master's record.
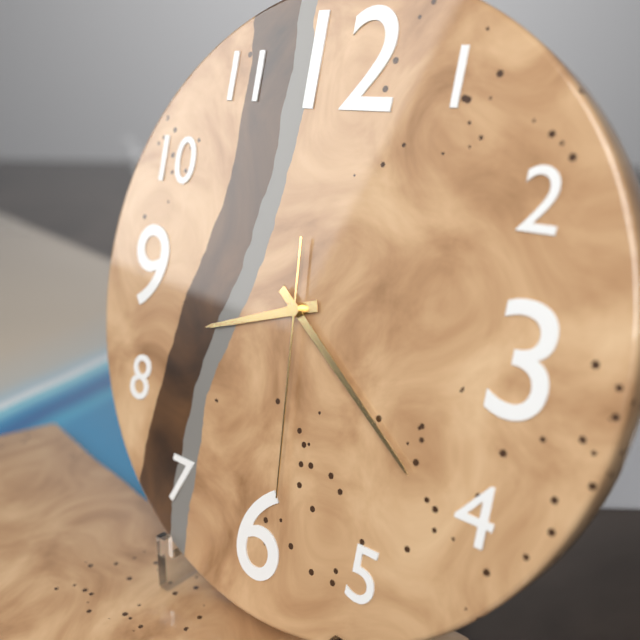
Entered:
8 h 21 min 29 s
